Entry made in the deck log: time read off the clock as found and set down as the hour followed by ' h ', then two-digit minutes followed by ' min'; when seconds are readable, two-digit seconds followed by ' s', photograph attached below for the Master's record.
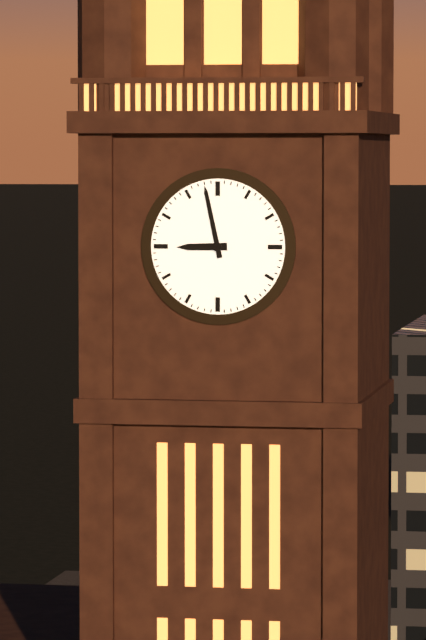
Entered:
8 h 58 min
